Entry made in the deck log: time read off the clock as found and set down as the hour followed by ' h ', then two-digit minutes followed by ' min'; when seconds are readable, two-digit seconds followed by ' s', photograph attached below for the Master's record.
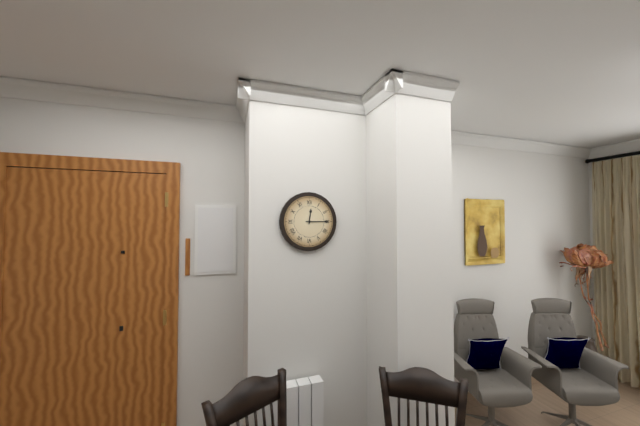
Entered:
12 h 15 min
